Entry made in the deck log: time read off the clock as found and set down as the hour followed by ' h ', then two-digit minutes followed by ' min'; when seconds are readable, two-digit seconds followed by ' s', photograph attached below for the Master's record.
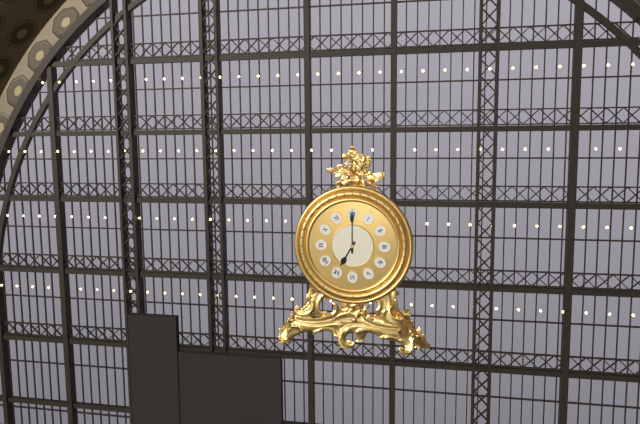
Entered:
7 h 00 min
